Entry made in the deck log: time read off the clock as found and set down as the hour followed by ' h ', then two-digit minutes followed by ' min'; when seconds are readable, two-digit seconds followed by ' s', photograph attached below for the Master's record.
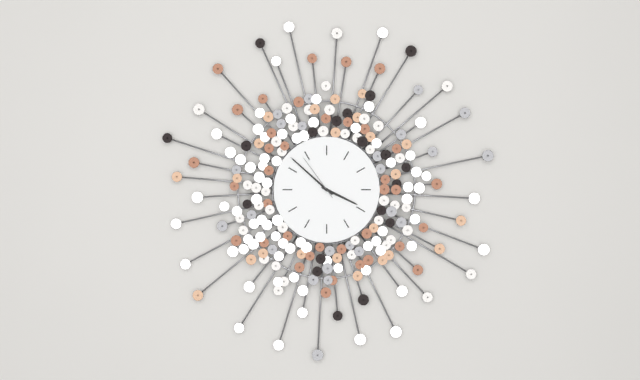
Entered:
3 h 52 min 54 s
